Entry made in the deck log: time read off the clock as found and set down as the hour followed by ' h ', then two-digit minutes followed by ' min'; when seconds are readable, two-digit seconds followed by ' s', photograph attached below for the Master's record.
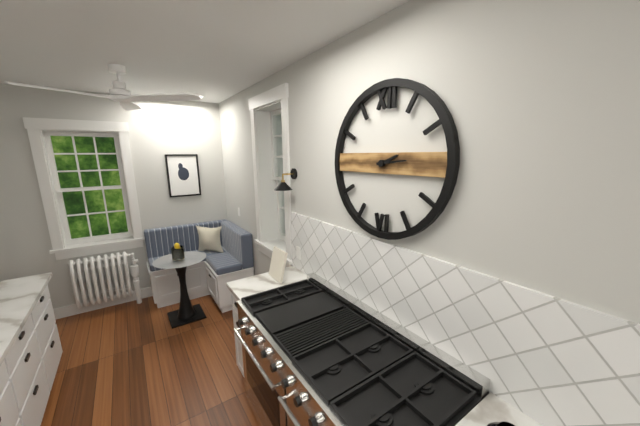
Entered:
2 h 14 min
